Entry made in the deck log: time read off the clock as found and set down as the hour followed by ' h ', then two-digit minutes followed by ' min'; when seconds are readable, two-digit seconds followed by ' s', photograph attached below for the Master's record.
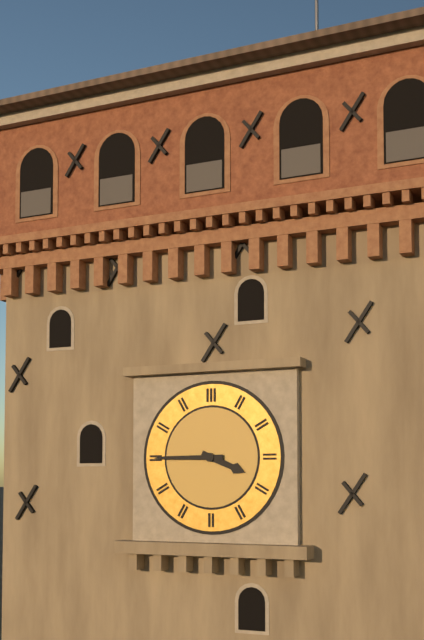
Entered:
3 h 45 min
